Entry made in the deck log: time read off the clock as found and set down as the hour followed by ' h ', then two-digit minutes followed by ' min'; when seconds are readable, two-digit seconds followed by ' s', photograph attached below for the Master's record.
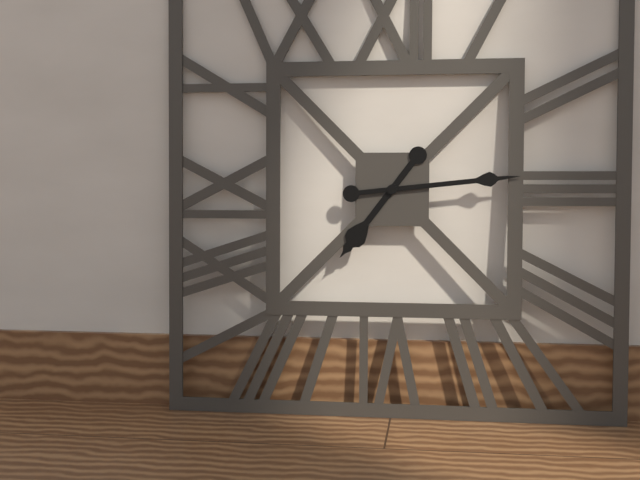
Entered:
7 h 14 min
